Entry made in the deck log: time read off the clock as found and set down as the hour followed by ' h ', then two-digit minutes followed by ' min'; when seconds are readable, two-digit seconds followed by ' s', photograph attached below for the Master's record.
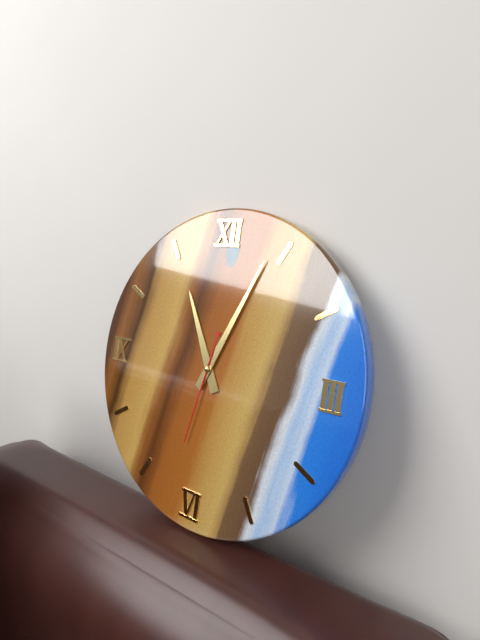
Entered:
11 h 04 min 32 s
